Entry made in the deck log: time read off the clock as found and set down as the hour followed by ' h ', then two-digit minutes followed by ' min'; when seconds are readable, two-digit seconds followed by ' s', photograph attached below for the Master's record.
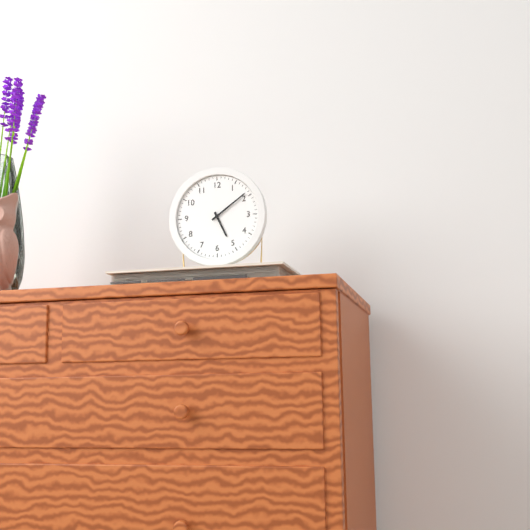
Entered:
5 h 09 min
